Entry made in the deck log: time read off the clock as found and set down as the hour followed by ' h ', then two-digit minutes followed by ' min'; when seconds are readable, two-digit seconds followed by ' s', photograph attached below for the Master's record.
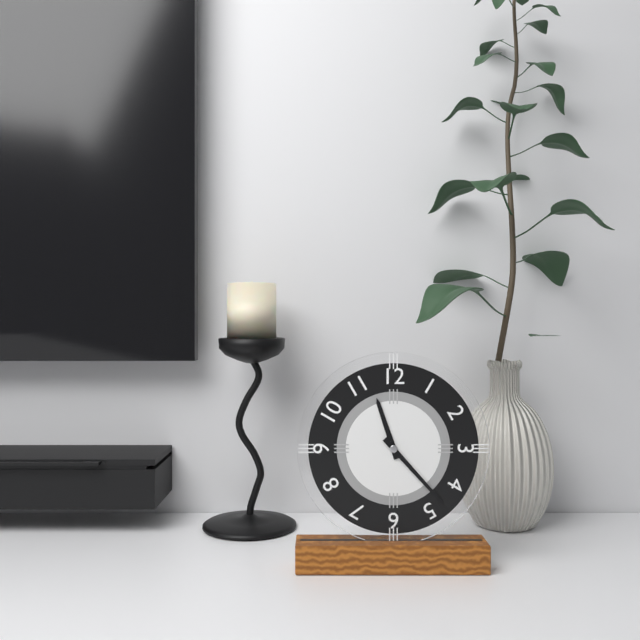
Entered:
11 h 23 min
